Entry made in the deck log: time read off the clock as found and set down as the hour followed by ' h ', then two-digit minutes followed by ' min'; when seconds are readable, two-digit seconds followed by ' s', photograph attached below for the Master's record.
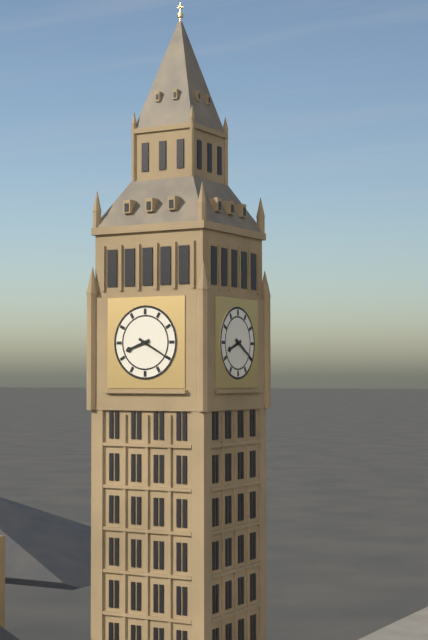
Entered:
8 h 20 min
